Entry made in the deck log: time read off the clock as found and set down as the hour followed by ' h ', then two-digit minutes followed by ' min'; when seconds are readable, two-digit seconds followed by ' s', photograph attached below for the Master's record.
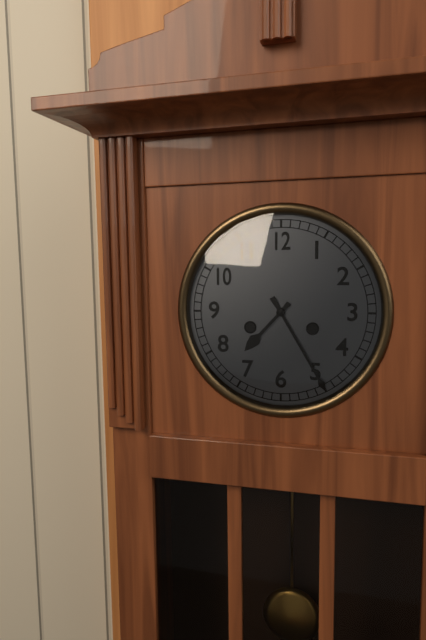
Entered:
7 h 25 min
